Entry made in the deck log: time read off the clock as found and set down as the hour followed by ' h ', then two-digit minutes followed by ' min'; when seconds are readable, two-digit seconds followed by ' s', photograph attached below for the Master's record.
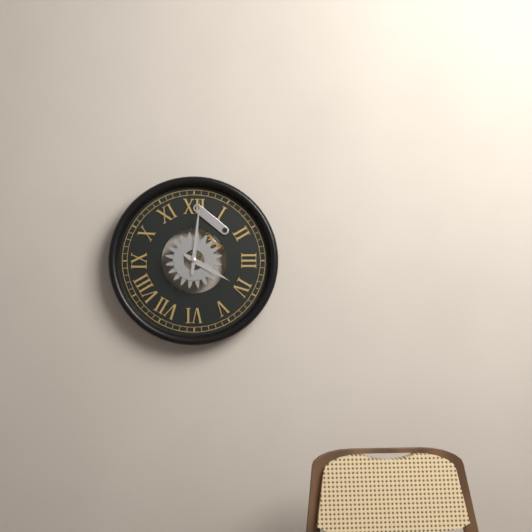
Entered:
4 h 01 min
